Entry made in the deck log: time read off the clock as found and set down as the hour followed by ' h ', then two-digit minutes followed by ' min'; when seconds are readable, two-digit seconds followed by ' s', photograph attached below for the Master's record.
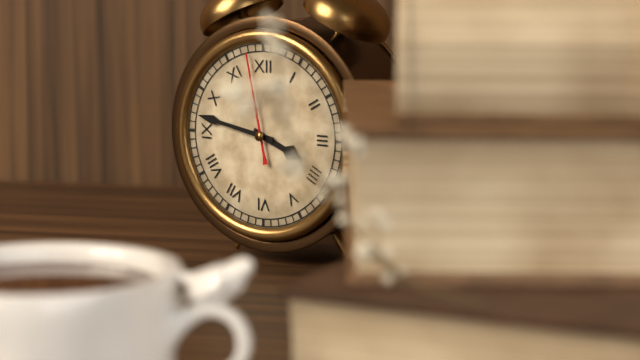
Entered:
3 h 47 min 58 s
